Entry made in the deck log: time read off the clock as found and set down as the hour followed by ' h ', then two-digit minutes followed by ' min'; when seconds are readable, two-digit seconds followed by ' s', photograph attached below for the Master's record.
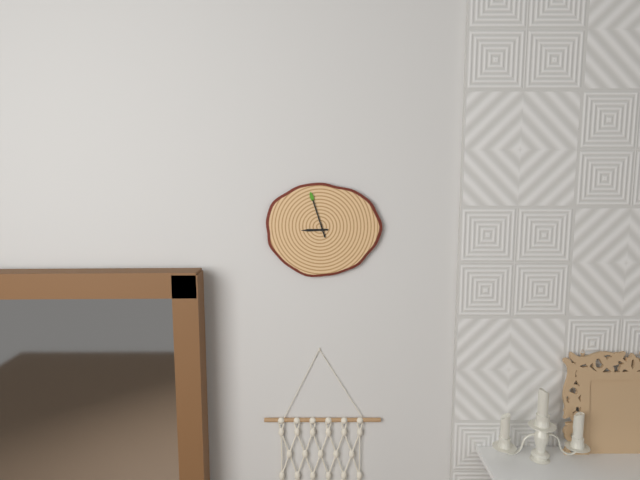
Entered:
8 h 57 min
